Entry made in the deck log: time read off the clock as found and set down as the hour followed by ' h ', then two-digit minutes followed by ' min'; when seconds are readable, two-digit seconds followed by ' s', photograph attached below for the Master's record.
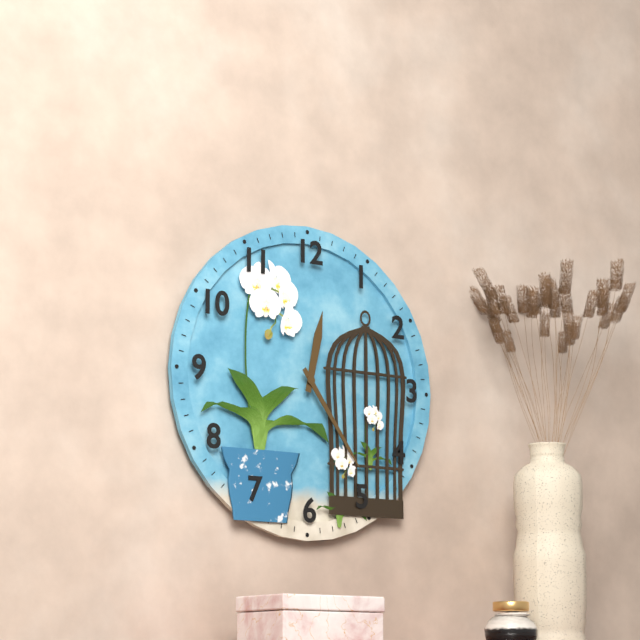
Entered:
12 h 24 min
